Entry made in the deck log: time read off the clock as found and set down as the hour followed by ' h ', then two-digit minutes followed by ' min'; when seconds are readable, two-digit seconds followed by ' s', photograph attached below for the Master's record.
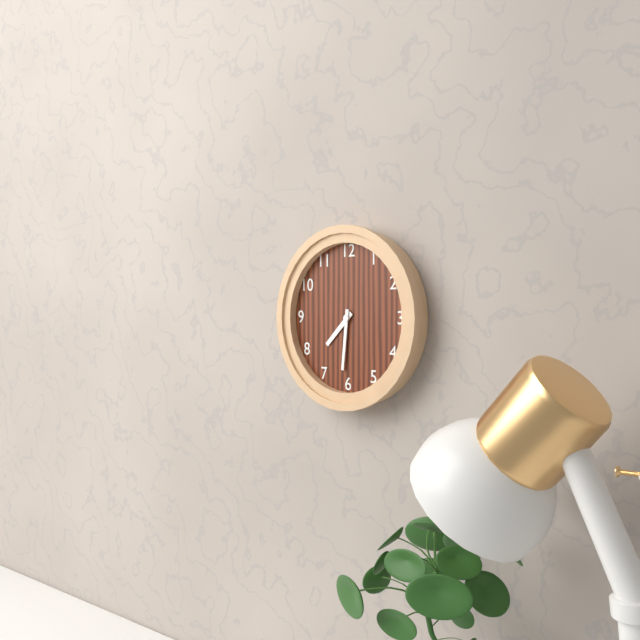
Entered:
7 h 31 min
